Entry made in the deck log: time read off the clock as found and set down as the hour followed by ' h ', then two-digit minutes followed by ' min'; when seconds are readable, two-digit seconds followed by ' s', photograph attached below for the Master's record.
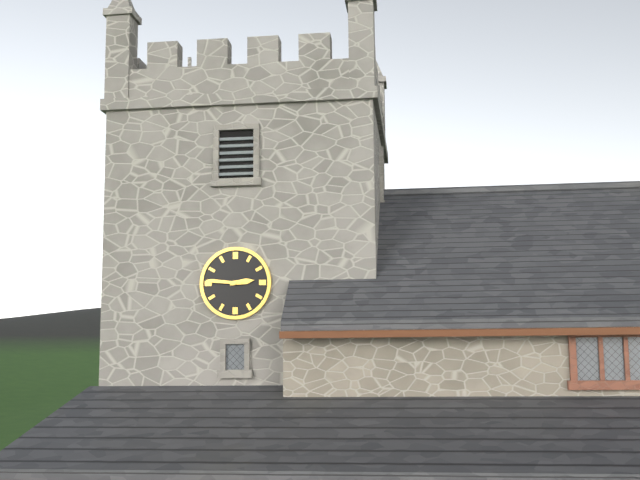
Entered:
2 h 46 min
